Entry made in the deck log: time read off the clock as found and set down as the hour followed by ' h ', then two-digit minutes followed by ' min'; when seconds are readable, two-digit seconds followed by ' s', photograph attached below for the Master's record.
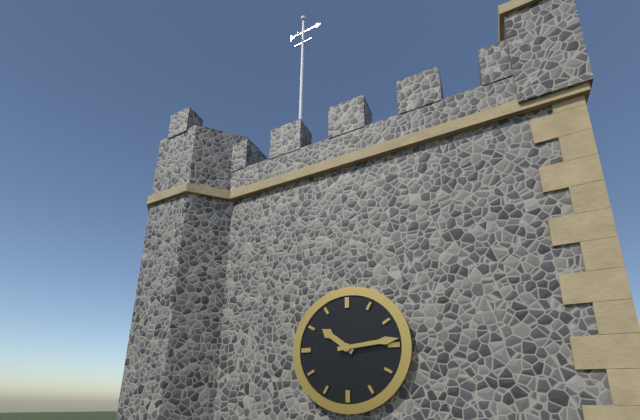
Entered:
10 h 14 min
